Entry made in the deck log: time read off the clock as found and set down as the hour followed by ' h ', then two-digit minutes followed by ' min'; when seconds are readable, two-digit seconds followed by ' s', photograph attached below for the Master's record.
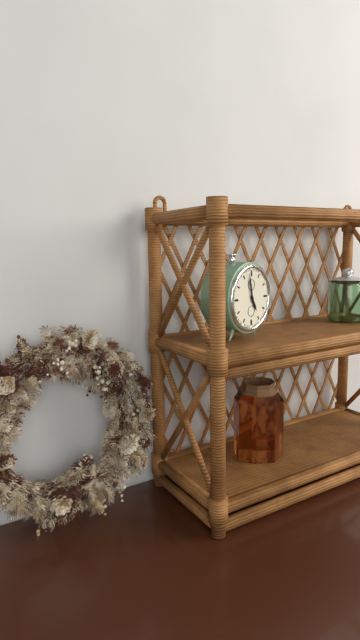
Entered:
4 h 58 min
